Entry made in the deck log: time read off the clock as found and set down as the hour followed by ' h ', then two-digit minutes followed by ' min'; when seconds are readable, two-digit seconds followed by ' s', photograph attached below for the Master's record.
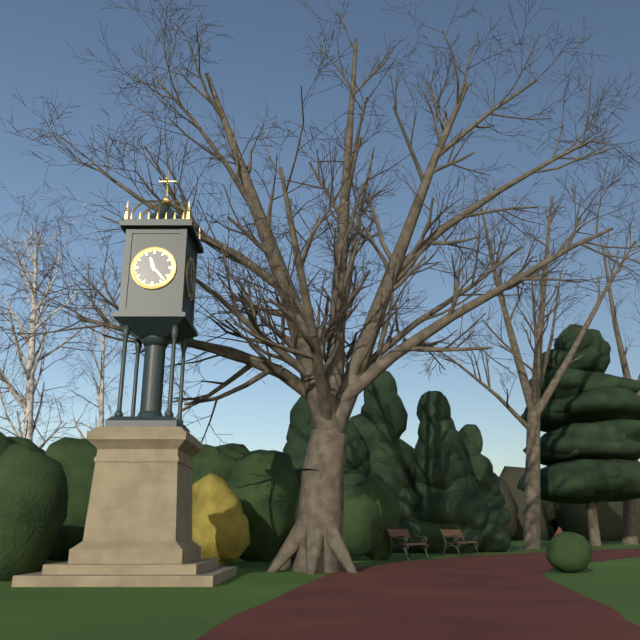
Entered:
11 h 23 min
